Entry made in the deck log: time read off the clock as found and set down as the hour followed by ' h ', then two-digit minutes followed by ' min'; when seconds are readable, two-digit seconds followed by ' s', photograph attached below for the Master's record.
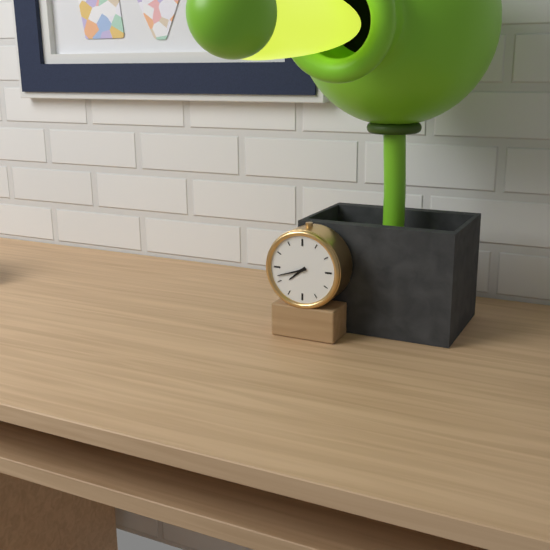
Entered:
7 h 42 min
